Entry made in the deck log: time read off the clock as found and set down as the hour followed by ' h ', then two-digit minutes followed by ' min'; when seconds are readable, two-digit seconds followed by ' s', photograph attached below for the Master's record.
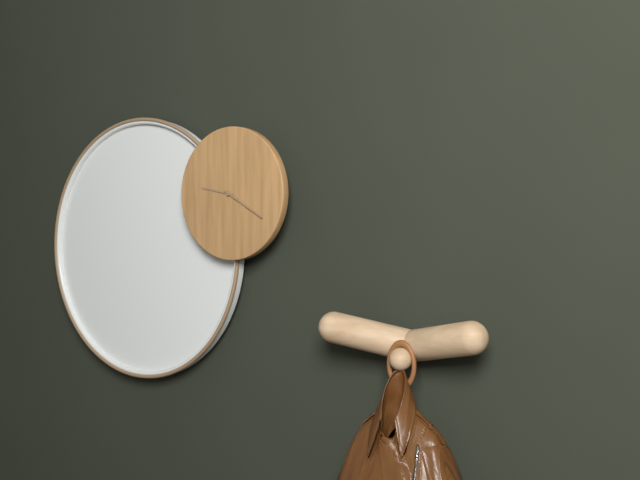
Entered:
9 h 20 min
